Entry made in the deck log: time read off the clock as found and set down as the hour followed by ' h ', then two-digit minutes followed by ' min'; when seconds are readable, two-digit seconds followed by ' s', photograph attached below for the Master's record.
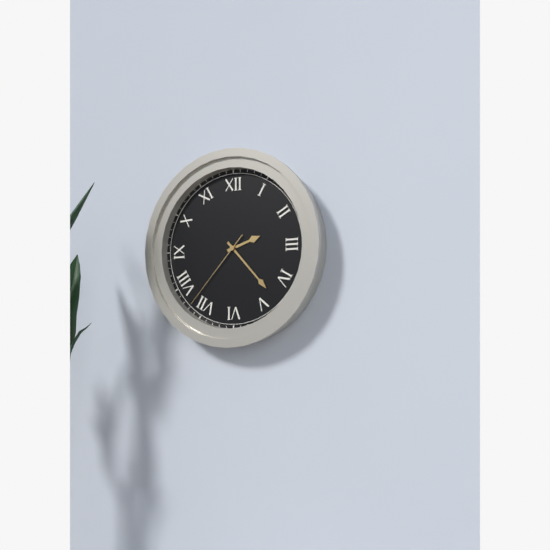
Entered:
2 h 23 min 37 s
